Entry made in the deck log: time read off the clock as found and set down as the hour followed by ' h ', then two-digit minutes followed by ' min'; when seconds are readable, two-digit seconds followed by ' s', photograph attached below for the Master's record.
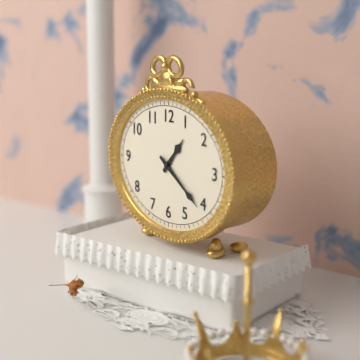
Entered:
1 h 21 min
